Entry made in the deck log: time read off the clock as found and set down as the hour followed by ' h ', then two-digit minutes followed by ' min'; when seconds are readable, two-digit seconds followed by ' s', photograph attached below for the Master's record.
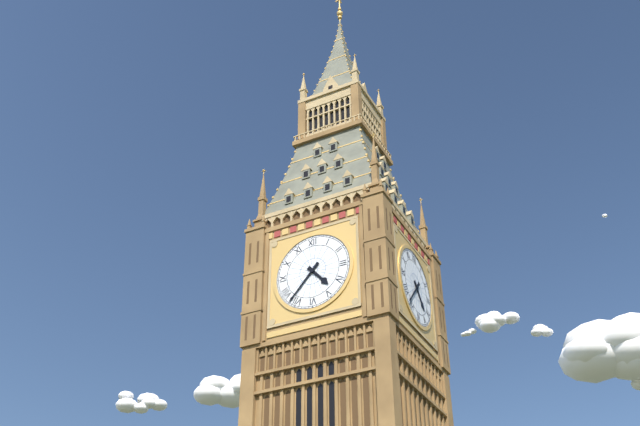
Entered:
4 h 37 min
